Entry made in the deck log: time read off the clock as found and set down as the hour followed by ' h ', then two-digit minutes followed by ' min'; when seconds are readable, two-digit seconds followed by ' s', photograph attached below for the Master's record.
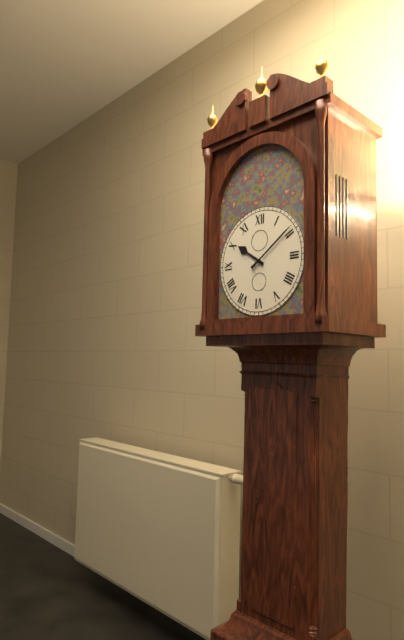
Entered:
10 h 09 min
